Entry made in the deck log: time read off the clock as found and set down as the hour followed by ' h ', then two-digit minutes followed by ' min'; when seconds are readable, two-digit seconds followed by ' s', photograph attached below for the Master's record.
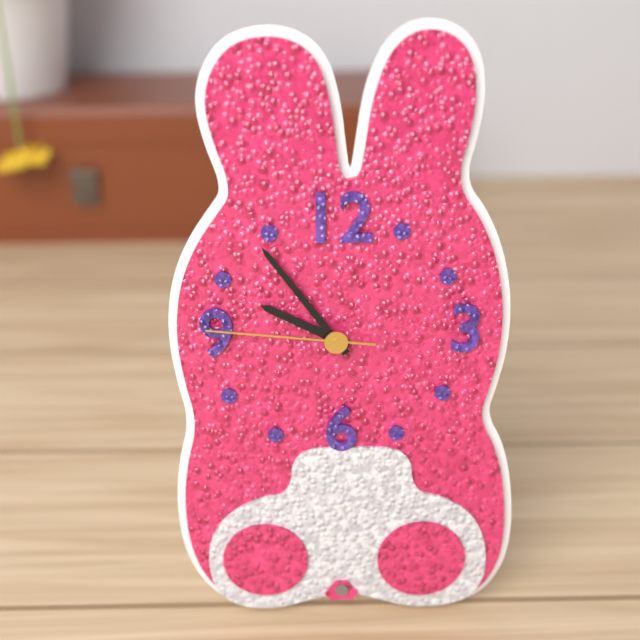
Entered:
9 h 54 min 46 s
